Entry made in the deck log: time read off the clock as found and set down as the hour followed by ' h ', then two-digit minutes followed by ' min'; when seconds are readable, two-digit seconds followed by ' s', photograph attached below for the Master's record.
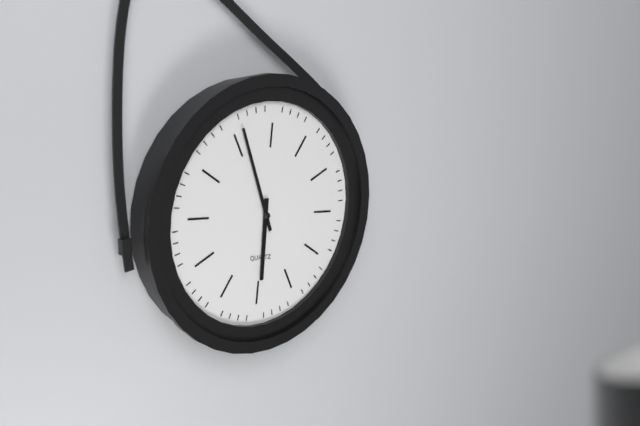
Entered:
5 h 56 min
